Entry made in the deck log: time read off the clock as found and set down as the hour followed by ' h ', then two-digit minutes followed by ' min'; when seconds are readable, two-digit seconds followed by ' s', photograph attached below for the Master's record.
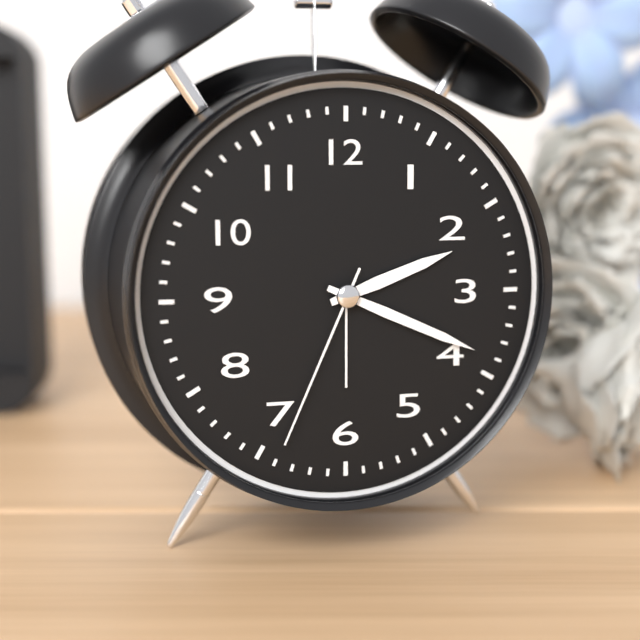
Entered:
2 h 19 min 34 s
